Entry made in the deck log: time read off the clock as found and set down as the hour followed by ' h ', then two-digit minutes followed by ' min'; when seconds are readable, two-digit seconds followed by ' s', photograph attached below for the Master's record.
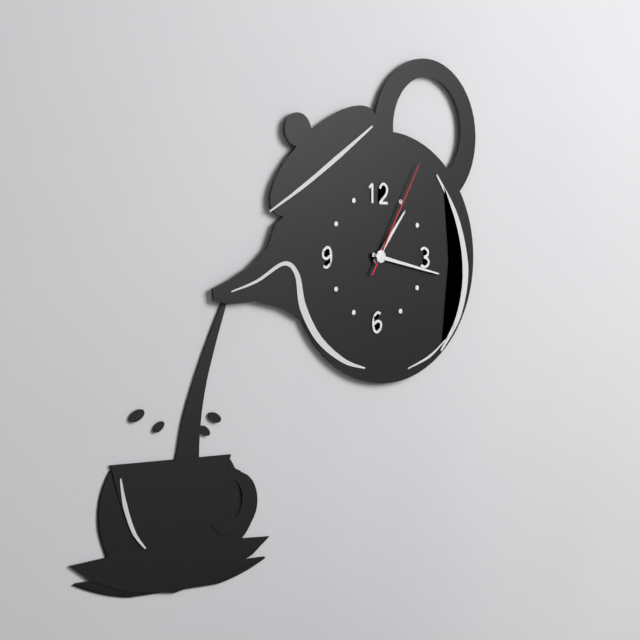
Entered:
1 h 17 min 05 s
